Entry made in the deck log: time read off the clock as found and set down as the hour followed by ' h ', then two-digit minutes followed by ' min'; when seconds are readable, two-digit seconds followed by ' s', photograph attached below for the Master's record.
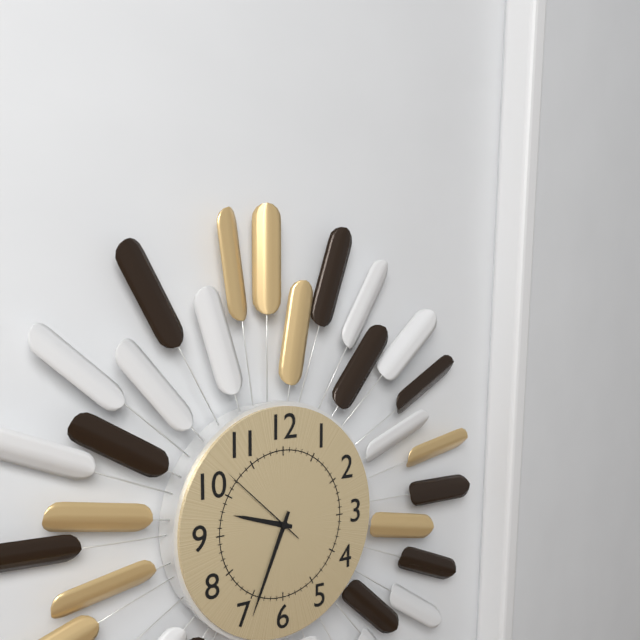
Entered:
9 h 34 min 52 s
